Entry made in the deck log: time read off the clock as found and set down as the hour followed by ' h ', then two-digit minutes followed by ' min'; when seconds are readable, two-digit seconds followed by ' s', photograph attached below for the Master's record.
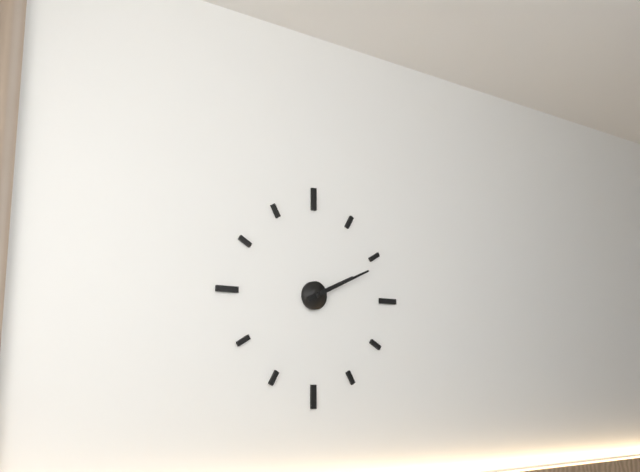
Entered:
2 h 11 min
